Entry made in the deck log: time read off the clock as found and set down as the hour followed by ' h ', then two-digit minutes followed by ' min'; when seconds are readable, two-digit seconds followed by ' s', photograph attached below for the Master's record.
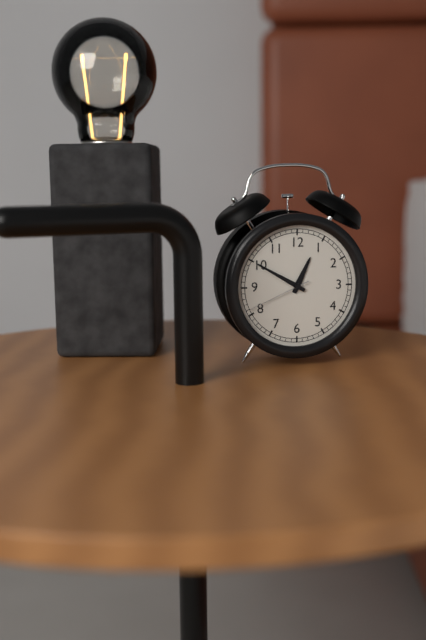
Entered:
12 h 50 min 41 s
